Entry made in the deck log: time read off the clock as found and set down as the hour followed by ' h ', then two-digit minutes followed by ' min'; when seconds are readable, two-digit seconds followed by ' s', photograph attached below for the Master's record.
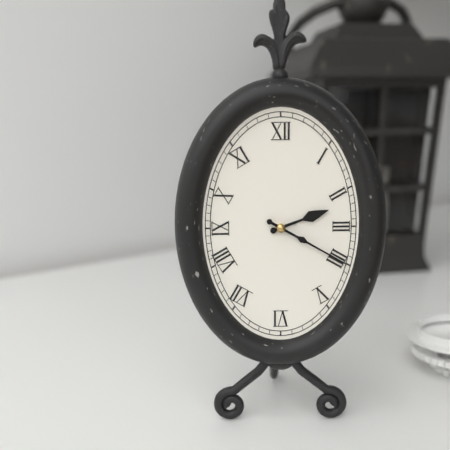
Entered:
2 h 20 min
